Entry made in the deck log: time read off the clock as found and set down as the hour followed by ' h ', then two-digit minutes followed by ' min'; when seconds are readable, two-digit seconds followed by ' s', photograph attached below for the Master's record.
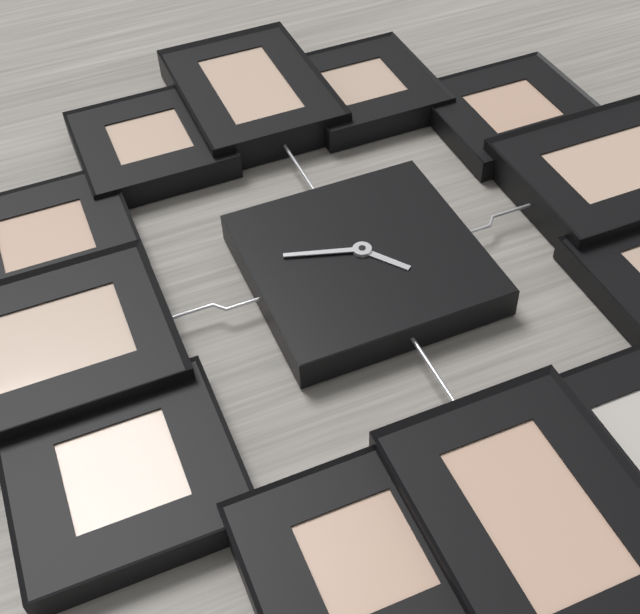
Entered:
4 h 48 min
